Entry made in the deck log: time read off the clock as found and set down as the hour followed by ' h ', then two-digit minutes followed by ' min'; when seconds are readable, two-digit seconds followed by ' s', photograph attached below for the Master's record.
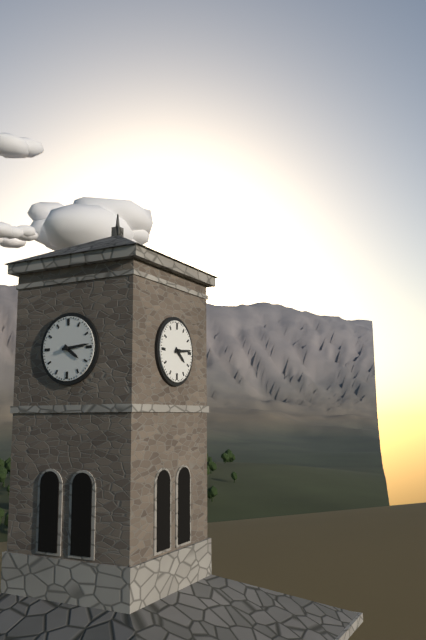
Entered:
4 h 14 min
